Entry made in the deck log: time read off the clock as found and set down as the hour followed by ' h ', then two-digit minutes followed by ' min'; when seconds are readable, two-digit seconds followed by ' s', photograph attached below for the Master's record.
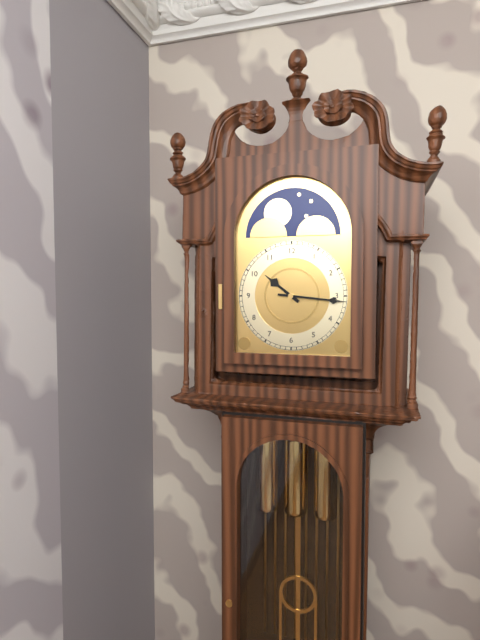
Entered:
10 h 16 min
